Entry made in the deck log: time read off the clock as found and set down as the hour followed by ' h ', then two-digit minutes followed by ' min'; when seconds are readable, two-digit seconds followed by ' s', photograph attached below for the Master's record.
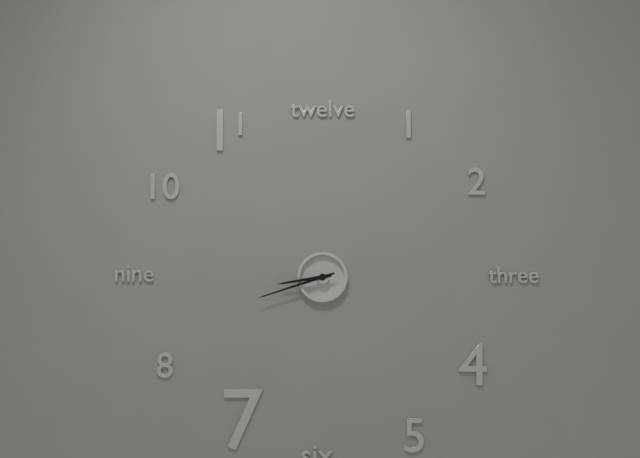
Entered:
8 h 42 min
